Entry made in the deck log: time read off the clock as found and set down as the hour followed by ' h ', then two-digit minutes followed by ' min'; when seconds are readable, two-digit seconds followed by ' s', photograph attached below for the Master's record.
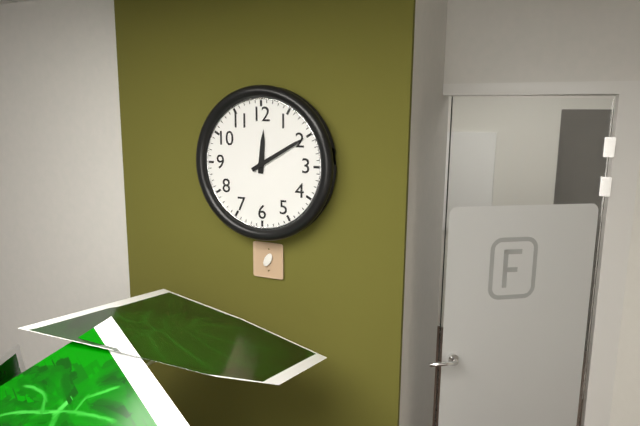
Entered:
12 h 10 min
